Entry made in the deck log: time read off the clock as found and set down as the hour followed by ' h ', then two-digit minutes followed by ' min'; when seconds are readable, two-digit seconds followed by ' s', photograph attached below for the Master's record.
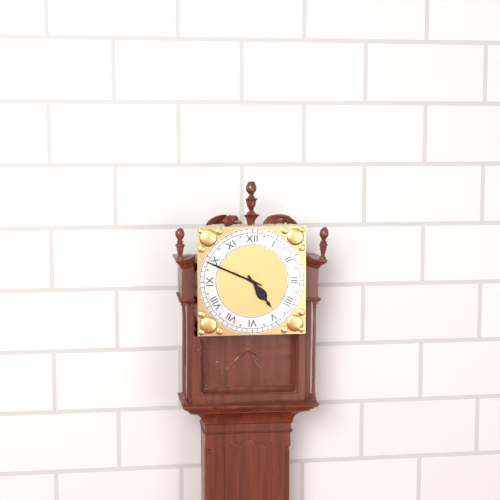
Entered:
4 h 49 min
